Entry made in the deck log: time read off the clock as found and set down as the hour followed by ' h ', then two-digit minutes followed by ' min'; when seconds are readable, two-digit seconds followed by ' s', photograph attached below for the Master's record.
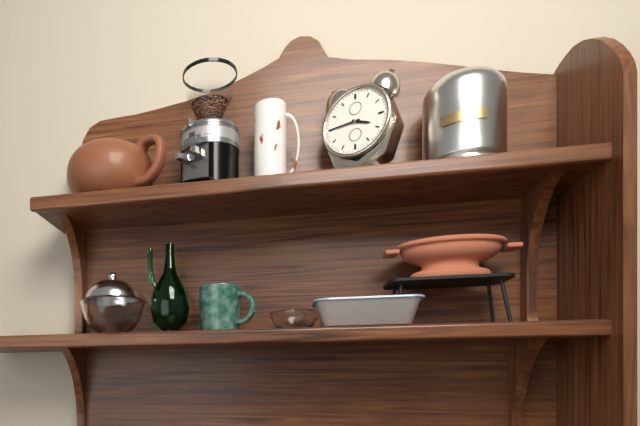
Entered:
3 h 45 min
